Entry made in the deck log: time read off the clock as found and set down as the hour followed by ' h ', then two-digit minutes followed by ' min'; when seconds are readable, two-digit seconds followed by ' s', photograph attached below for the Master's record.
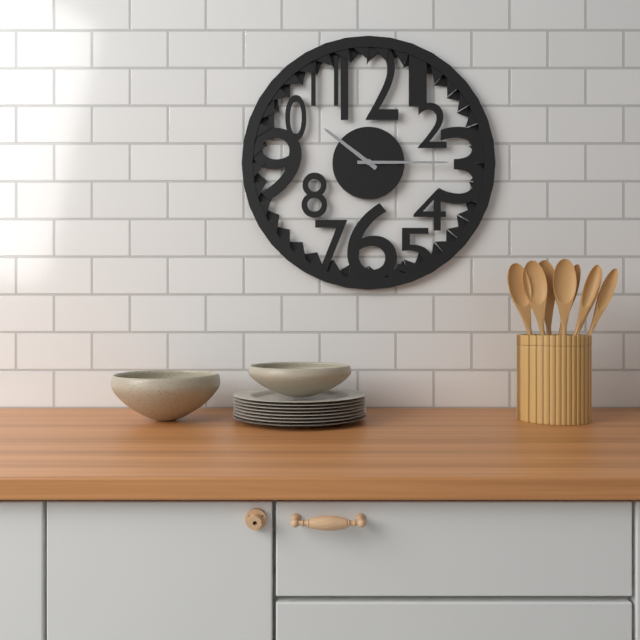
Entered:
10 h 15 min
